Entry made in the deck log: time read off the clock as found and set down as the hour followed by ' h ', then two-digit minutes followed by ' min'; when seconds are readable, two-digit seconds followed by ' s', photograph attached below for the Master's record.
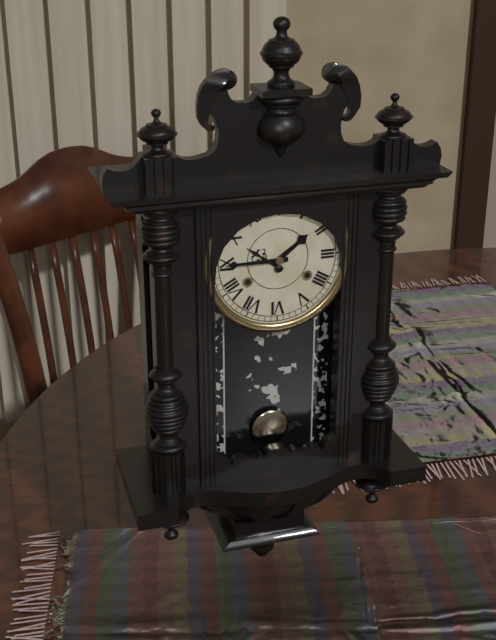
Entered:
1 h 45 min
